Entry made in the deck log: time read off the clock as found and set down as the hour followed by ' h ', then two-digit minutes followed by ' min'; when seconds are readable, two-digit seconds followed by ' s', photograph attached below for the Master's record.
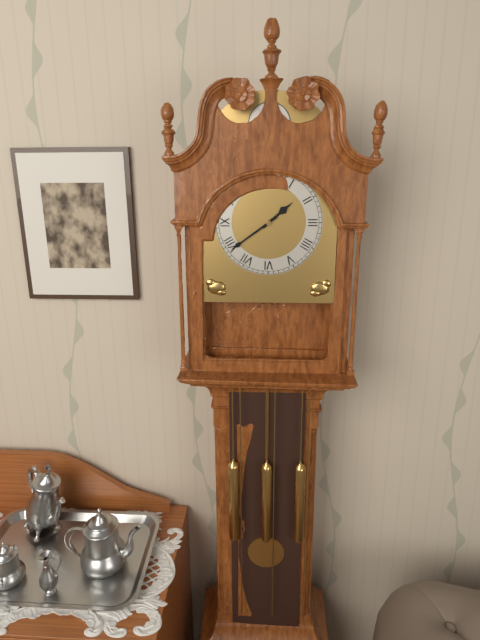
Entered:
1 h 39 min
